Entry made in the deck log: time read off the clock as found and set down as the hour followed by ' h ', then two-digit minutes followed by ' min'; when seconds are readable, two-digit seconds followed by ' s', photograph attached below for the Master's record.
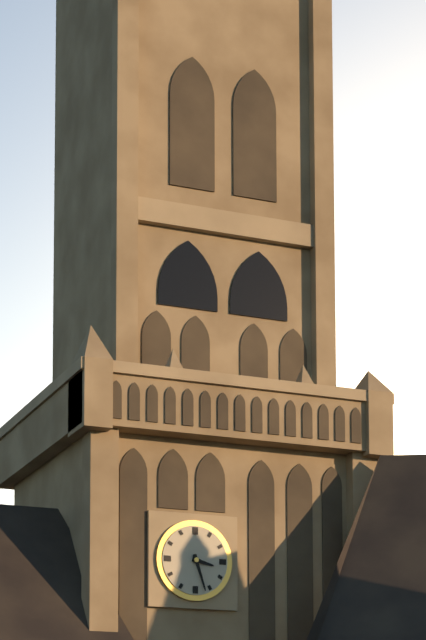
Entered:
3 h 27 min
